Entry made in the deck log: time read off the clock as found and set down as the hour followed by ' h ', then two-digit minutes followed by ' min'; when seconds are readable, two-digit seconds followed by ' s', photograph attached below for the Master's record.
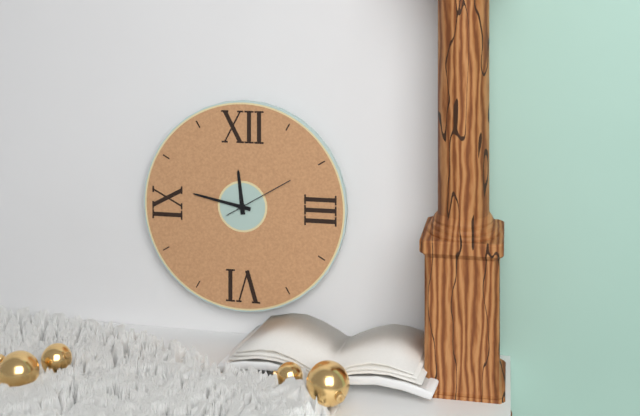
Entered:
11 h 47 min 10 s
